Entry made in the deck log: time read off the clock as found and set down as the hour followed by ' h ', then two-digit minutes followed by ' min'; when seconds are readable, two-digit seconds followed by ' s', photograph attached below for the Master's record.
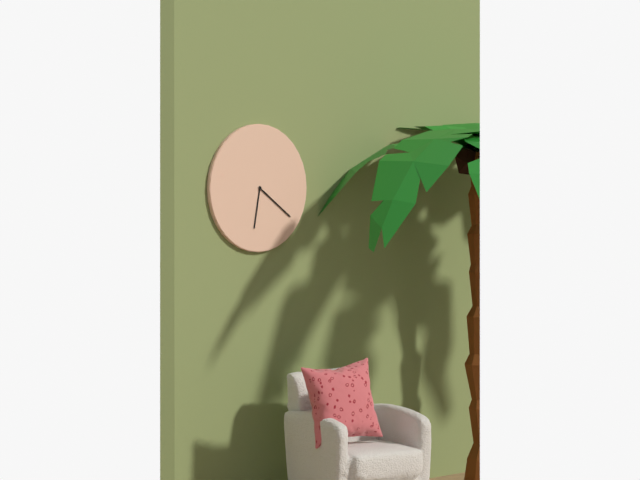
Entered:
6 h 21 min
